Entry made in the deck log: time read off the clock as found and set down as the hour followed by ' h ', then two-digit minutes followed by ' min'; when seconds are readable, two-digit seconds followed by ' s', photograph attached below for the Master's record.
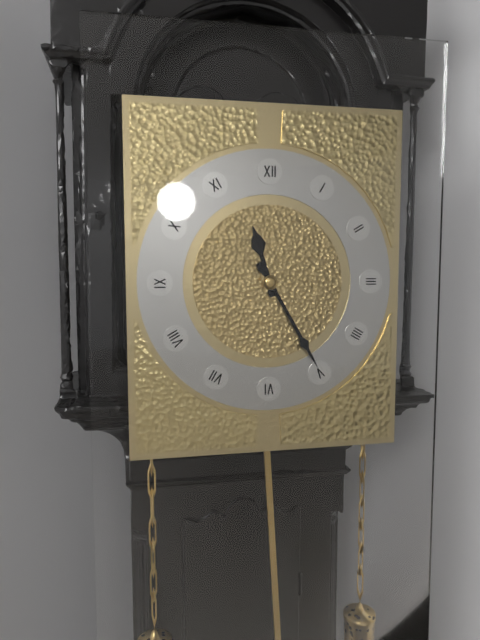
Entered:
11 h 25 min
